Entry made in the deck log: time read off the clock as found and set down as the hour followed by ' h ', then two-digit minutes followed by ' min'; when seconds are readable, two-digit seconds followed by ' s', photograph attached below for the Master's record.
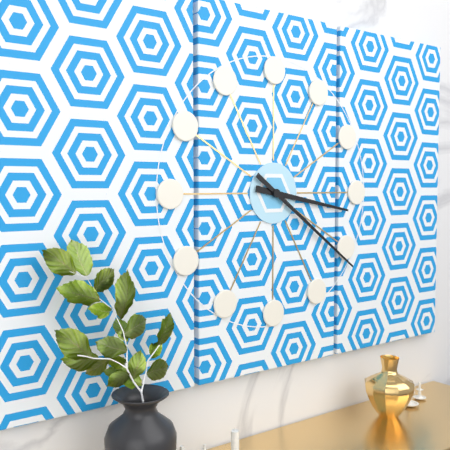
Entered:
3 h 21 min
